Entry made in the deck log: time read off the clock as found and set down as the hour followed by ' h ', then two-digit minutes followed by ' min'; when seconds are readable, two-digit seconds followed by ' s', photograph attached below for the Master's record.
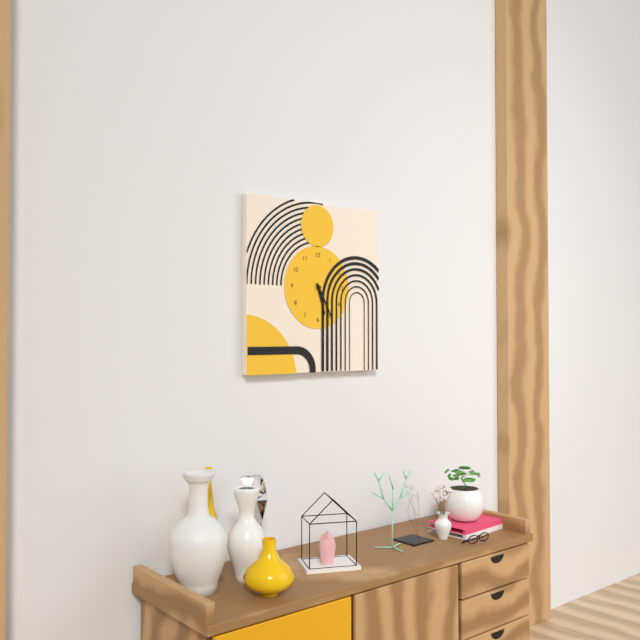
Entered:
5 h 25 min
